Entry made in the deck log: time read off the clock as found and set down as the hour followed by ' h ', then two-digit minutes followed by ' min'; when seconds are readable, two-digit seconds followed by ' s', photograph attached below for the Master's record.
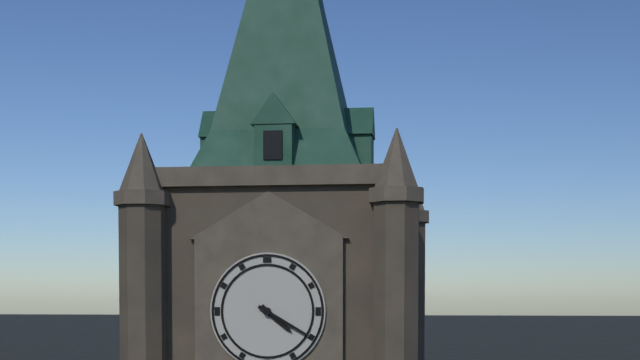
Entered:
4 h 20 min
